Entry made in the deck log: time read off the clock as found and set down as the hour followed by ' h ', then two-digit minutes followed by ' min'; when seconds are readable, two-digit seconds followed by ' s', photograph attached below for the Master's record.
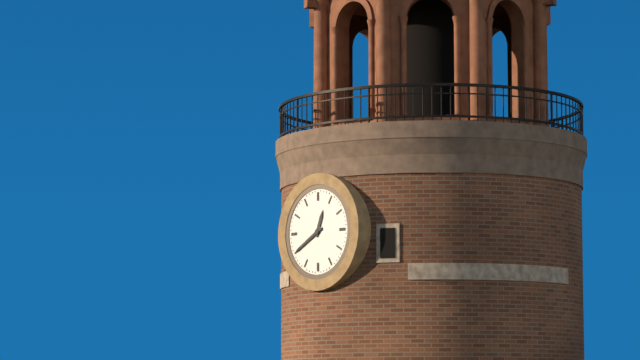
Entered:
12 h 40 min
